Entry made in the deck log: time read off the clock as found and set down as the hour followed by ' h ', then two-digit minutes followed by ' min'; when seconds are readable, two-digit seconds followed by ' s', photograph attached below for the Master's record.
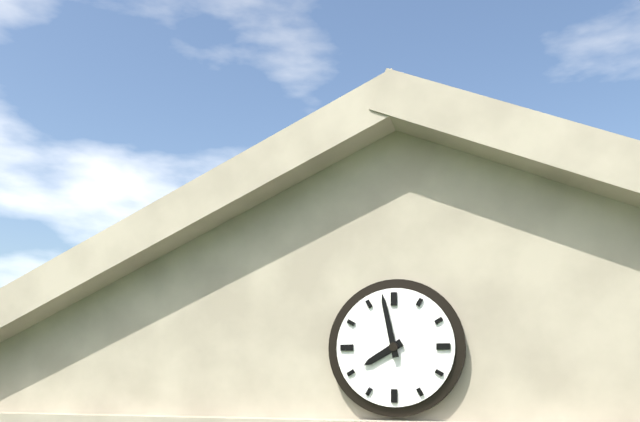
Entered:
7 h 58 min
